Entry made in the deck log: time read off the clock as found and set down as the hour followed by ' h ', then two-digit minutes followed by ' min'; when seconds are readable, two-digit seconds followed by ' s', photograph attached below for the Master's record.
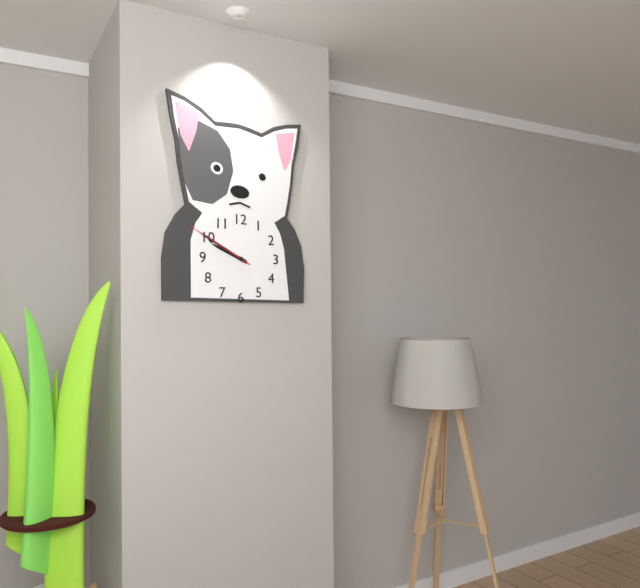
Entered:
9 h 50 min 50 s
